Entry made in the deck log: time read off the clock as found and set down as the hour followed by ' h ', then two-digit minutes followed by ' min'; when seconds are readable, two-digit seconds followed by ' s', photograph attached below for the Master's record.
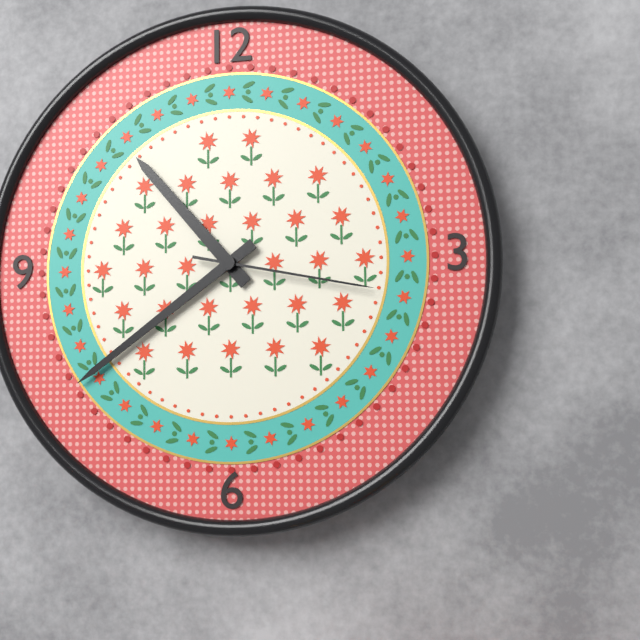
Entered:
10 h 39 min 17 s
